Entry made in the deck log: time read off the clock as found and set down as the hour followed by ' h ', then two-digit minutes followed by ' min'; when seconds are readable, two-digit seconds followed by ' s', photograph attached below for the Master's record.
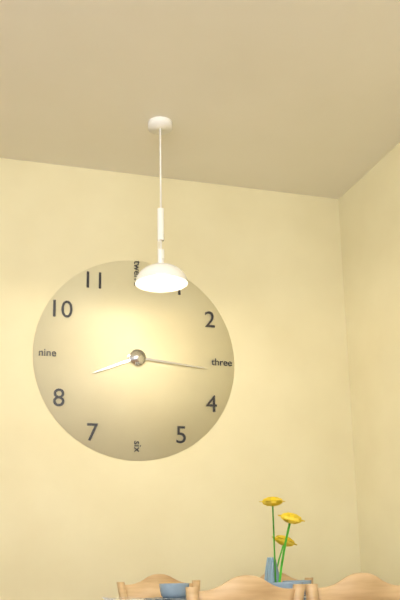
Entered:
8 h 16 min
